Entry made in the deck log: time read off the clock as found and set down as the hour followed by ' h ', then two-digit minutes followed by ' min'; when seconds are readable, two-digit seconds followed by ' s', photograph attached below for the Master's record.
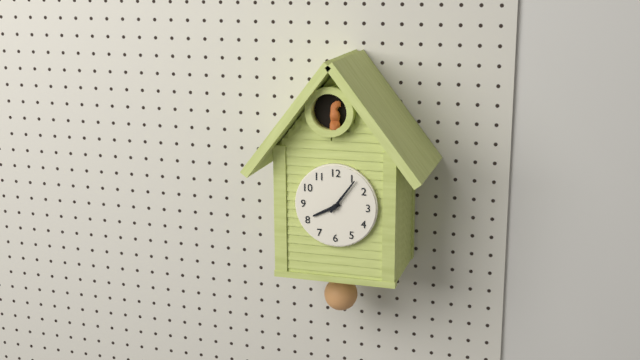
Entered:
8 h 06 min
